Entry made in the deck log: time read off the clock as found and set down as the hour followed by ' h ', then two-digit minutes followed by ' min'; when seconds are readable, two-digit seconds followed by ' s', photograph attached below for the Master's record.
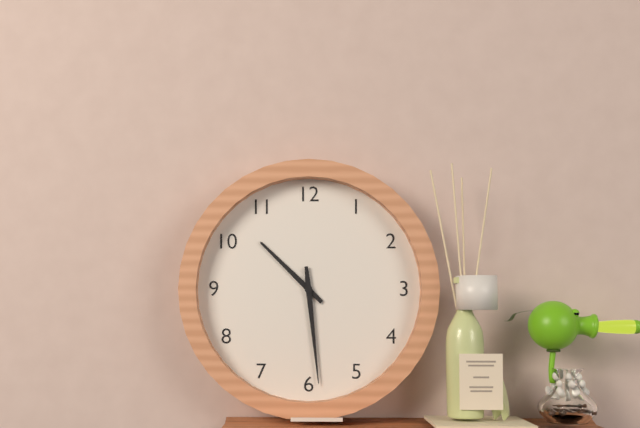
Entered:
10 h 29 min
